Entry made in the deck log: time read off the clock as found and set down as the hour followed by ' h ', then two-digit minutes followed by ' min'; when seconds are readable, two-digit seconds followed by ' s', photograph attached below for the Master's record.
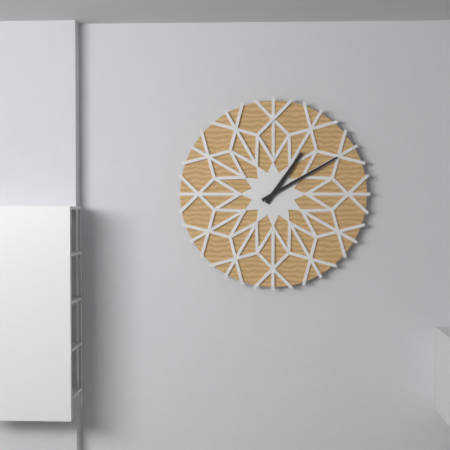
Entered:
1 h 10 min
